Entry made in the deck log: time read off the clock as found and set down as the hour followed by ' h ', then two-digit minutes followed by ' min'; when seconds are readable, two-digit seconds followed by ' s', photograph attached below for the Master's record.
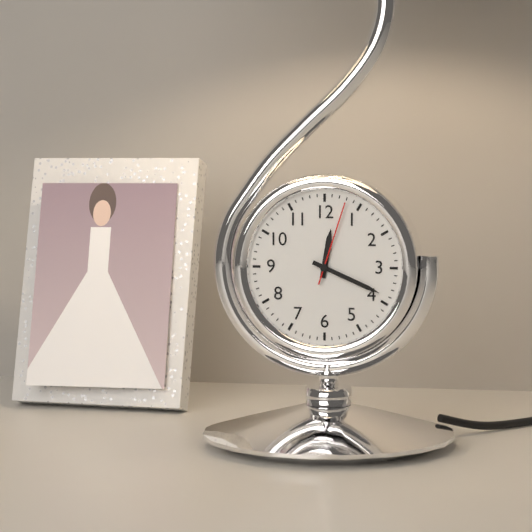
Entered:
12 h 19 min 03 s
